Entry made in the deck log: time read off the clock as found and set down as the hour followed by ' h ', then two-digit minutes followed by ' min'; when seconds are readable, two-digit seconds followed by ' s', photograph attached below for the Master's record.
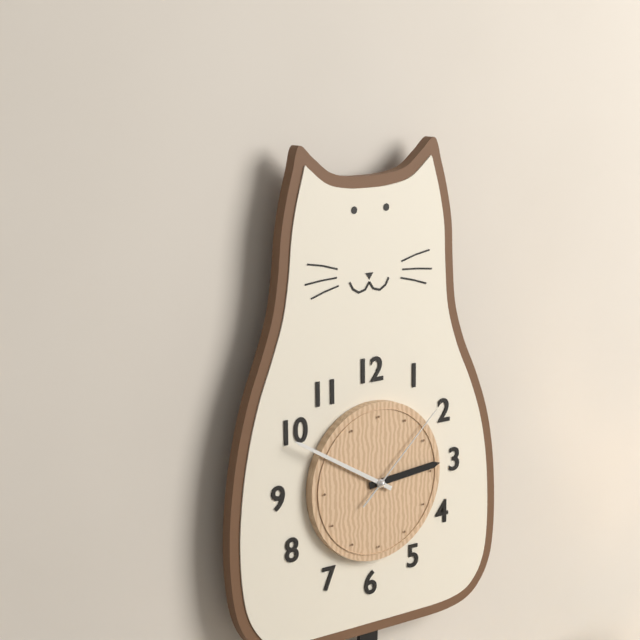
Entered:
2 h 50 min 08 s
